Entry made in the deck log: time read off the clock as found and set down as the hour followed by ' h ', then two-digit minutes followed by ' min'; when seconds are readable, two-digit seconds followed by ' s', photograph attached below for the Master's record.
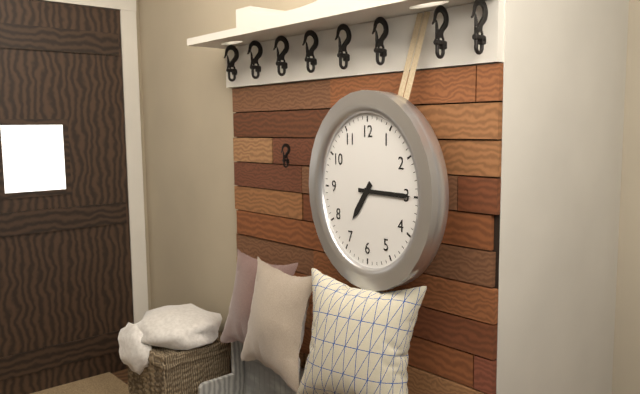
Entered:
7 h 15 min
